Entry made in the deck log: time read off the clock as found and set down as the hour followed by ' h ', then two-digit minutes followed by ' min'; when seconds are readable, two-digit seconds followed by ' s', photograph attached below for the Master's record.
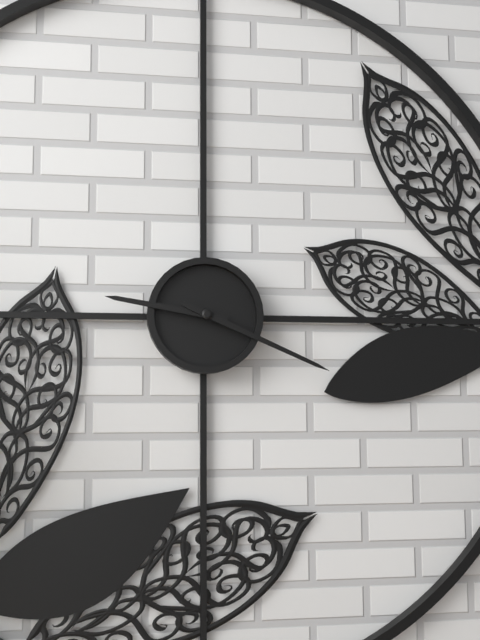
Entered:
9 h 19 min
